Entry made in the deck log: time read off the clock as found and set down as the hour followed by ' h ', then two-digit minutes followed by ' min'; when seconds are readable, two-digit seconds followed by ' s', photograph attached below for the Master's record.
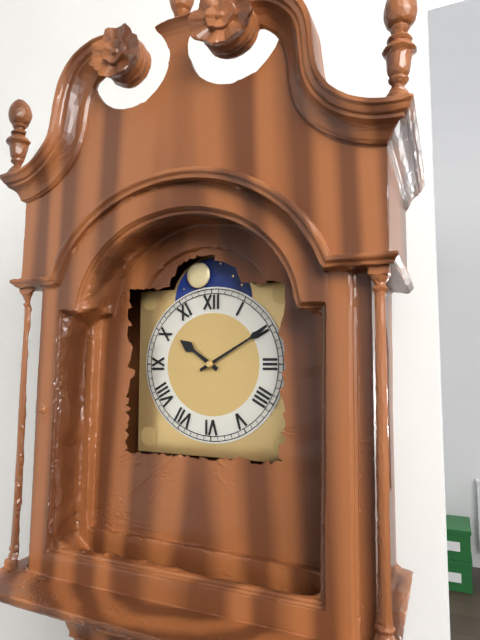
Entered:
10 h 10 min
